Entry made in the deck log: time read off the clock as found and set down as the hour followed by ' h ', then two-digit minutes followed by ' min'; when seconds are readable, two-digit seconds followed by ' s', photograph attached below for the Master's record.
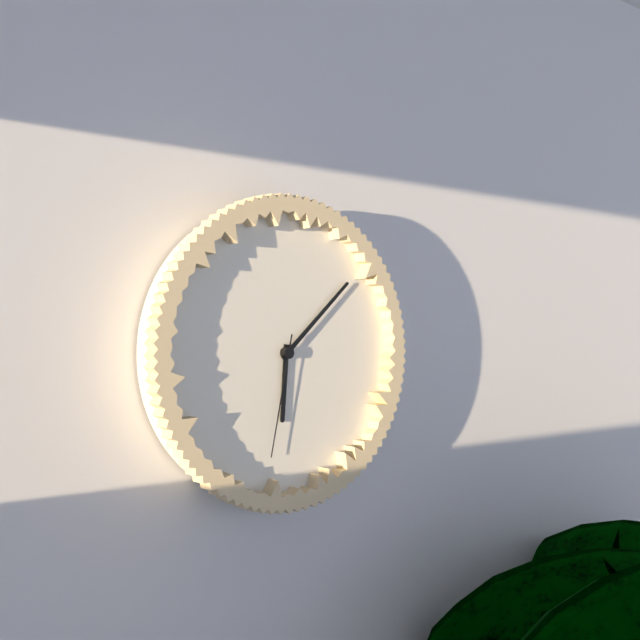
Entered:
6 h 08 min 32 s
